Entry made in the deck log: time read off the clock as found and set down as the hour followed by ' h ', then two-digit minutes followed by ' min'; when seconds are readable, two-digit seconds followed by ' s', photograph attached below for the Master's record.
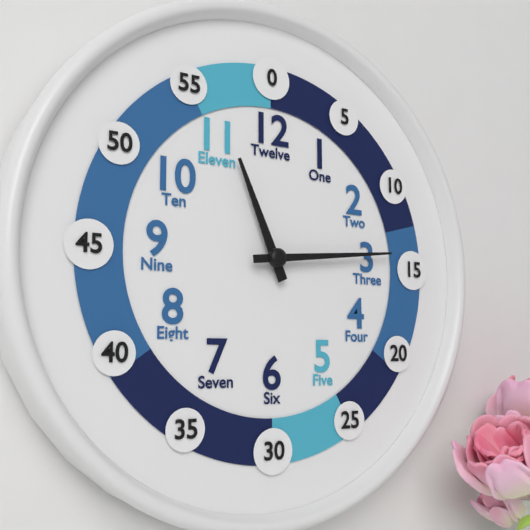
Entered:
11 h 14 min
